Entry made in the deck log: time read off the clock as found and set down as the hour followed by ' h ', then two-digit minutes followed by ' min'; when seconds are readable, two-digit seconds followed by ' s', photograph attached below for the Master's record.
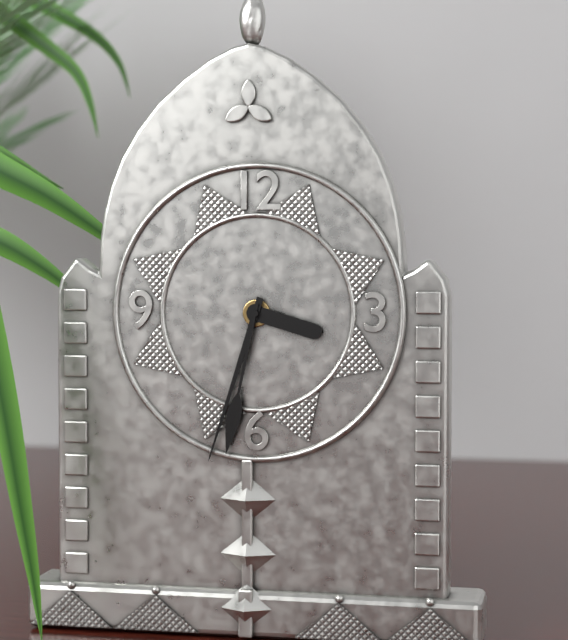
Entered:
3 h 33 min 32 s
